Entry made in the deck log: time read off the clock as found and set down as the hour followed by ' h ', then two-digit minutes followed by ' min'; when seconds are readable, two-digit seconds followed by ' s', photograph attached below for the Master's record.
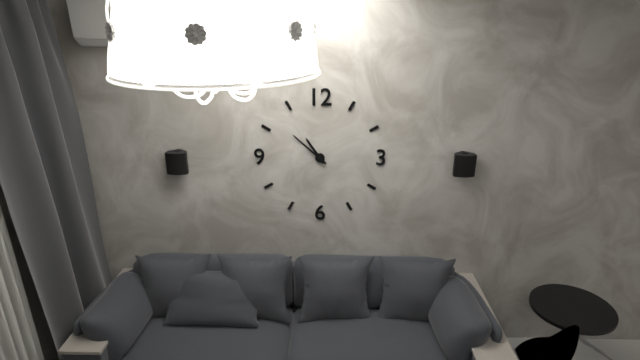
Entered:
10 h 52 min
